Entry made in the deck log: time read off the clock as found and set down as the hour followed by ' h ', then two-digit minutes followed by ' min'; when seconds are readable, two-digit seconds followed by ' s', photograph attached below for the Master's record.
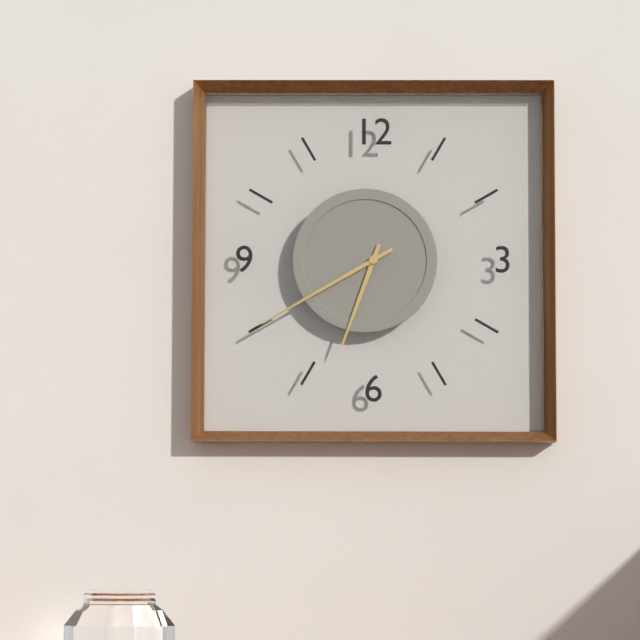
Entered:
6 h 40 min
